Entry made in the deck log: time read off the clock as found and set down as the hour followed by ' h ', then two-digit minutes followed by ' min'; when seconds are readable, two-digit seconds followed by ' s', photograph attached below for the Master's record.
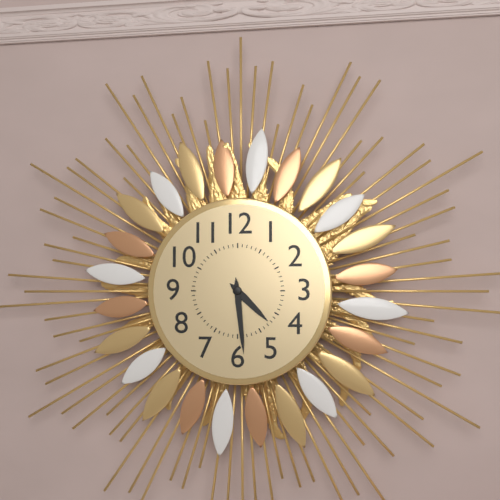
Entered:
4 h 29 min
